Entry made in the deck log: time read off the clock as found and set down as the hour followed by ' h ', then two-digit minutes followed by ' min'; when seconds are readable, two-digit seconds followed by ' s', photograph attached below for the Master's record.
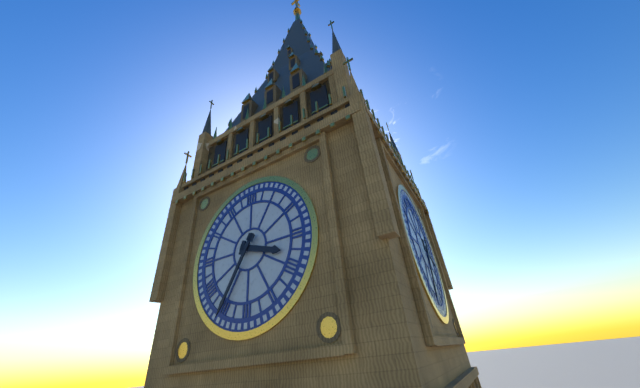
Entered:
3 h 35 min
